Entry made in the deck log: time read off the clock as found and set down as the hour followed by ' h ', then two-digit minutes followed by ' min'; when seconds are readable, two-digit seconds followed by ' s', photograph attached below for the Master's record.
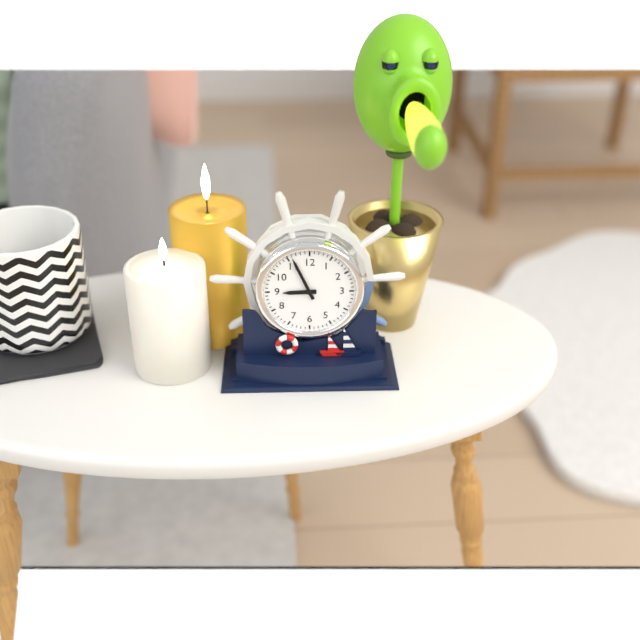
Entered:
8 h 56 min
